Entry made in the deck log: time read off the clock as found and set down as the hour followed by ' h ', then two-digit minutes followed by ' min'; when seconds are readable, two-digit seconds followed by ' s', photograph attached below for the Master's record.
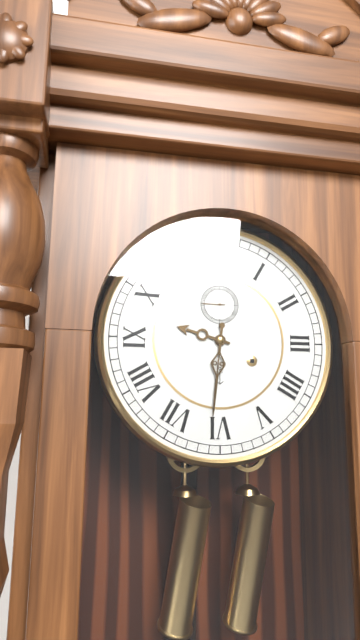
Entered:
9 h 31 min
